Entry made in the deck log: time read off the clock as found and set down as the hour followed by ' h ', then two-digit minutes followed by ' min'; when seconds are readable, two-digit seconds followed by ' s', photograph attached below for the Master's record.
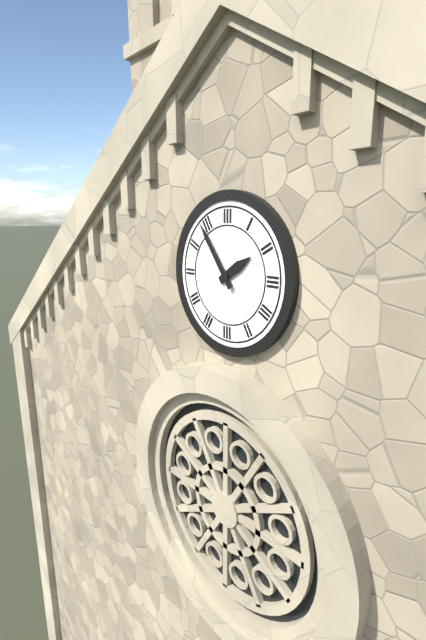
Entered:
1 h 54 min
